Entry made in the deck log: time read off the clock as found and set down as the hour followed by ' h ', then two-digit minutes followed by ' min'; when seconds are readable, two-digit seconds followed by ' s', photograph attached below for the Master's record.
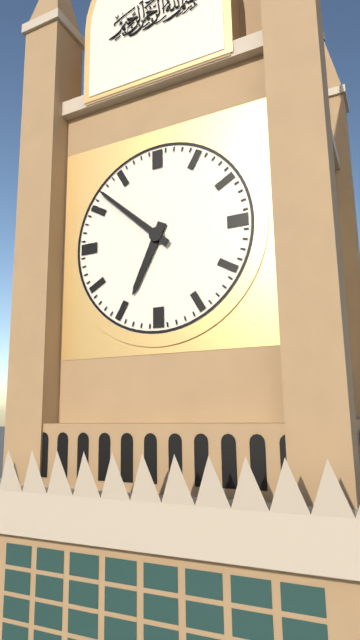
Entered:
6 h 52 min
